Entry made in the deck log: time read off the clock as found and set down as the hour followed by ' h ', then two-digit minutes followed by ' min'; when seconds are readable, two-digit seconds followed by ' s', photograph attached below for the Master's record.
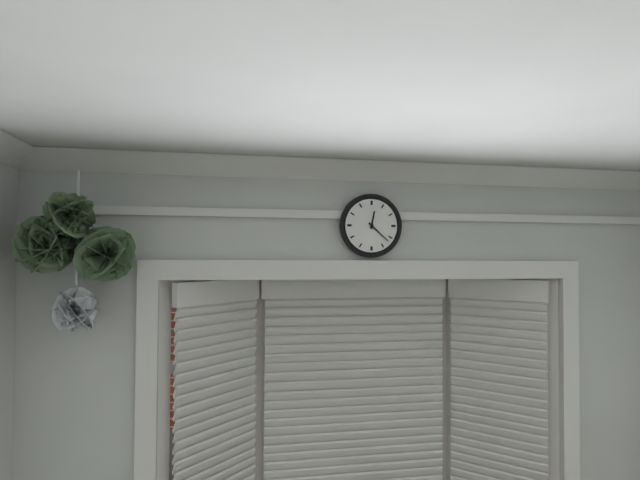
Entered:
12 h 22 min
